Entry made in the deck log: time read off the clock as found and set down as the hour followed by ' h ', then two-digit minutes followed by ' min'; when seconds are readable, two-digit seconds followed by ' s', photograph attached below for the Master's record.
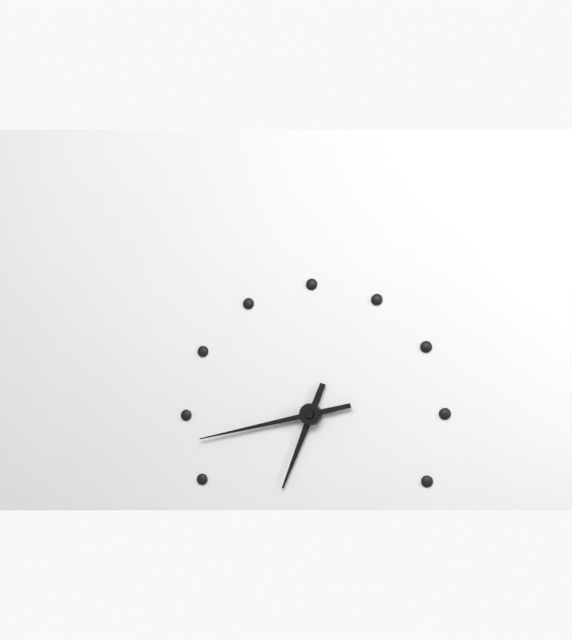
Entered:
6 h 43 min
